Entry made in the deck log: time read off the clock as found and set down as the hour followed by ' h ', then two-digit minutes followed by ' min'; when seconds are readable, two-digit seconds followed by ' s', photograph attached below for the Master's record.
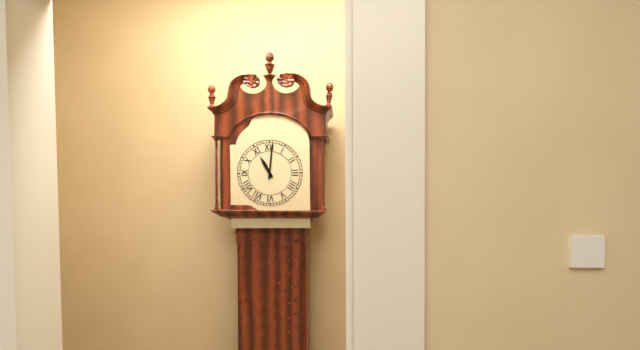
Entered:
11 h 01 min
